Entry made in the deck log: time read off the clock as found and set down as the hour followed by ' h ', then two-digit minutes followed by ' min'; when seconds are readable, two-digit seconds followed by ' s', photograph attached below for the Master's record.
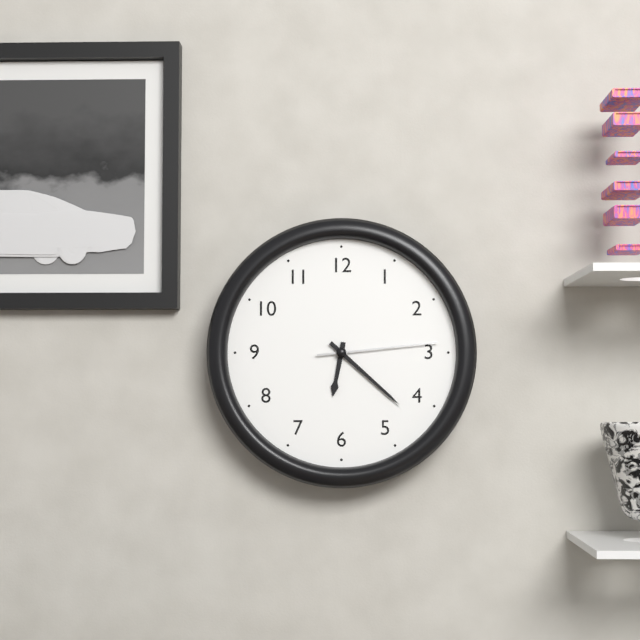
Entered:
6 h 22 min 14 s
